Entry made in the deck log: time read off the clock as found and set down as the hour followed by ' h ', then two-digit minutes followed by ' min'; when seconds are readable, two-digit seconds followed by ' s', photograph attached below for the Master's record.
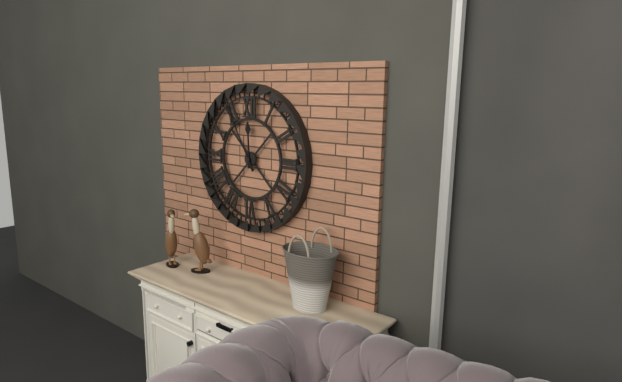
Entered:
11 h 55 min
